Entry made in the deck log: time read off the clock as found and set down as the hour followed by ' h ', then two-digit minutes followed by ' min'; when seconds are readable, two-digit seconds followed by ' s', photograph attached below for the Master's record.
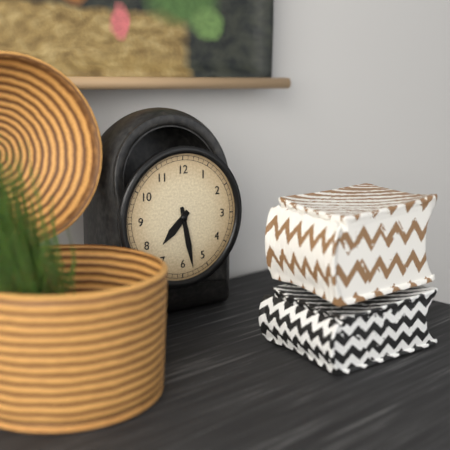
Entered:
7 h 28 min
